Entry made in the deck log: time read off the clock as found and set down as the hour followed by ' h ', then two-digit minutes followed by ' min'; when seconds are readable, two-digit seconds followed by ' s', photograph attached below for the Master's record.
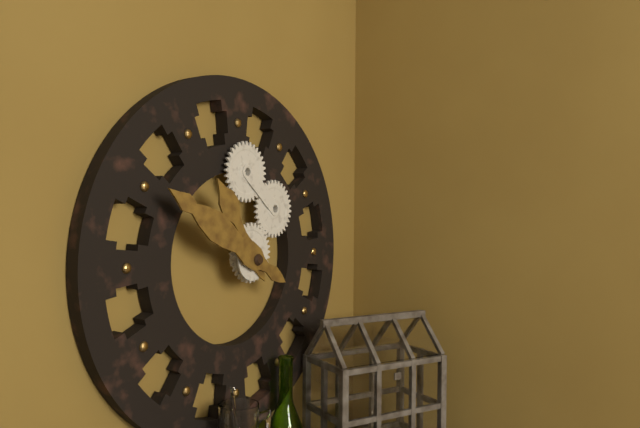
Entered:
10 h 50 min
